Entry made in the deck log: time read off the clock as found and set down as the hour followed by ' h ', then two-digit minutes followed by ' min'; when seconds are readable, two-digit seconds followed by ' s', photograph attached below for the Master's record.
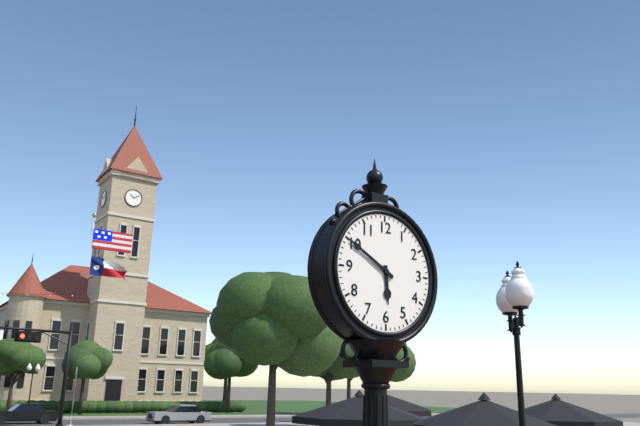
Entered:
5 h 50 min
